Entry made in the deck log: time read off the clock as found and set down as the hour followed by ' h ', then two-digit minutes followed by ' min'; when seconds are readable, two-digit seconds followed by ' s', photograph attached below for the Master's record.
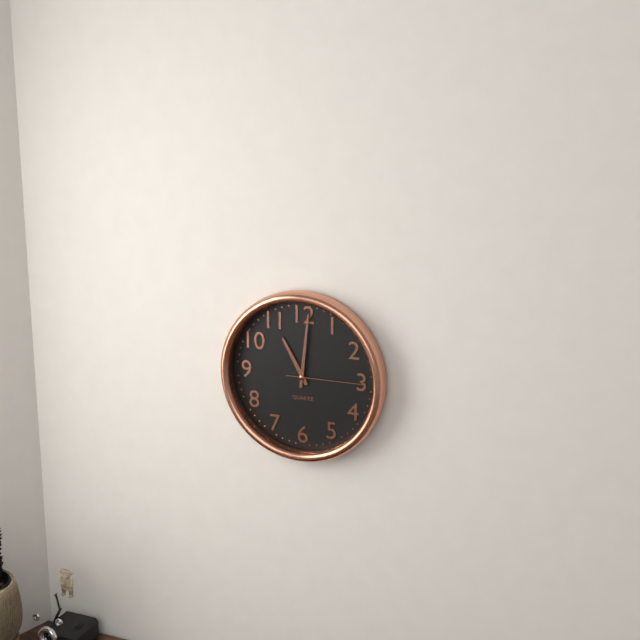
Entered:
11 h 01 min 15 s
